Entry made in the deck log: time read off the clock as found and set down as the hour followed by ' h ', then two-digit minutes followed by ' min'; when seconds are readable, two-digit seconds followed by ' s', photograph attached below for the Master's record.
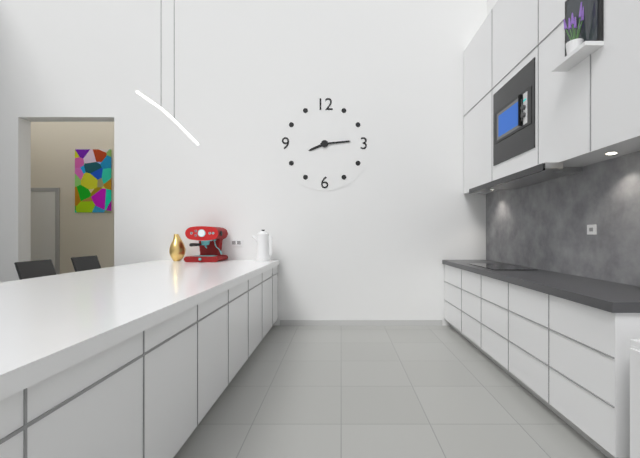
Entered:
8 h 14 min
